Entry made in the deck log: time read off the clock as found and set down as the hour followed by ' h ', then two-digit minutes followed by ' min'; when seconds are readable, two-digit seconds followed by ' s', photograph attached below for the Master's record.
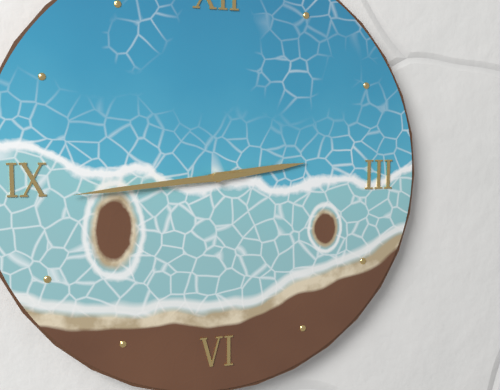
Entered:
2 h 44 min
